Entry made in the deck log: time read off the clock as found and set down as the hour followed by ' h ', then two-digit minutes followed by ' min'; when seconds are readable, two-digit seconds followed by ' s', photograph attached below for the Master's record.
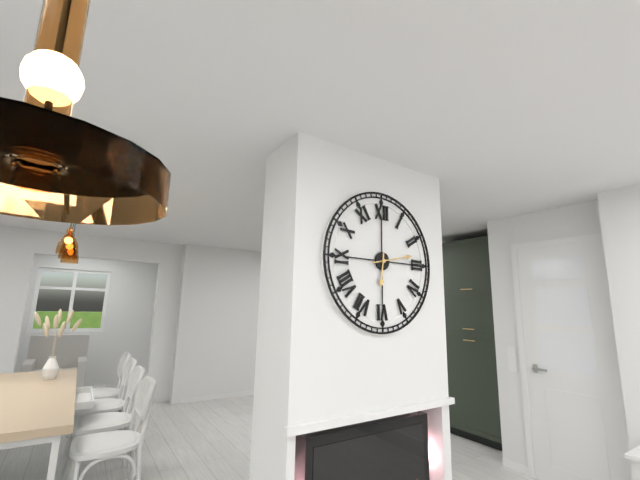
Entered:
6 h 13 min
